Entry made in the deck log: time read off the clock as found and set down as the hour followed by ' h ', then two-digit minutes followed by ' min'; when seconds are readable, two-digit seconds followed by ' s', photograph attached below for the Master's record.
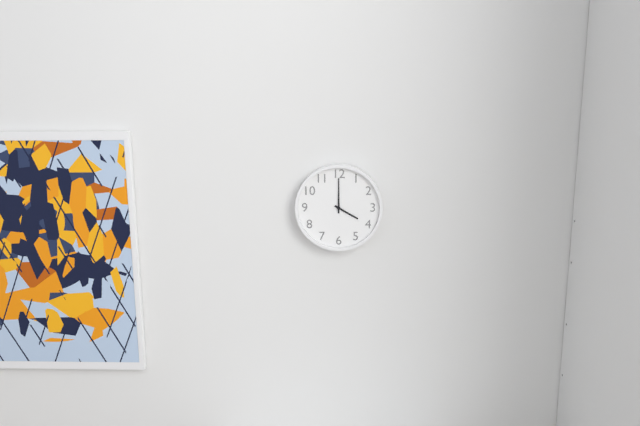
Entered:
4 h 00 min
